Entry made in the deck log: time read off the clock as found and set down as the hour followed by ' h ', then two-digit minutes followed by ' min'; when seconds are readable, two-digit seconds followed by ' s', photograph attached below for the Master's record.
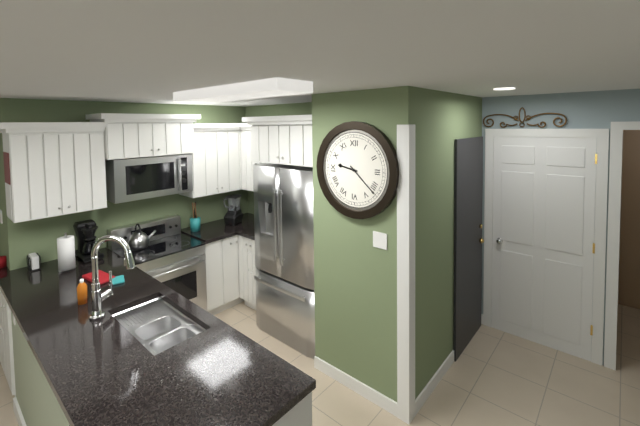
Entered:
9 h 22 min
